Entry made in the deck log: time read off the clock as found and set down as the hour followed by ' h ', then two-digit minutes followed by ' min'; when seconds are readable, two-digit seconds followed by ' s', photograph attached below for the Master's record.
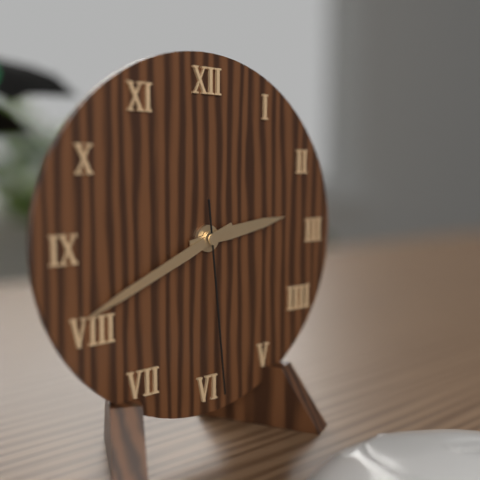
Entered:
2 h 41 min 29 s
